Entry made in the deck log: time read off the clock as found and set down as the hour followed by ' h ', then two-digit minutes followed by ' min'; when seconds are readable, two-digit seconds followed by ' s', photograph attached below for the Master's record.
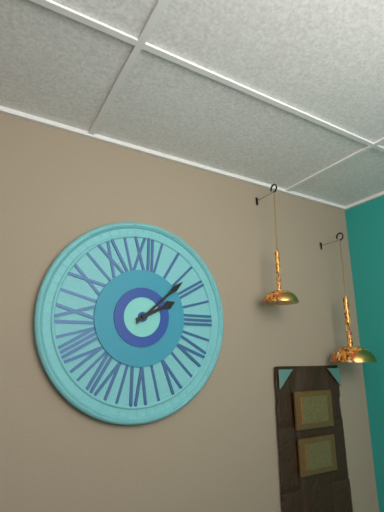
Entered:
2 h 08 min
